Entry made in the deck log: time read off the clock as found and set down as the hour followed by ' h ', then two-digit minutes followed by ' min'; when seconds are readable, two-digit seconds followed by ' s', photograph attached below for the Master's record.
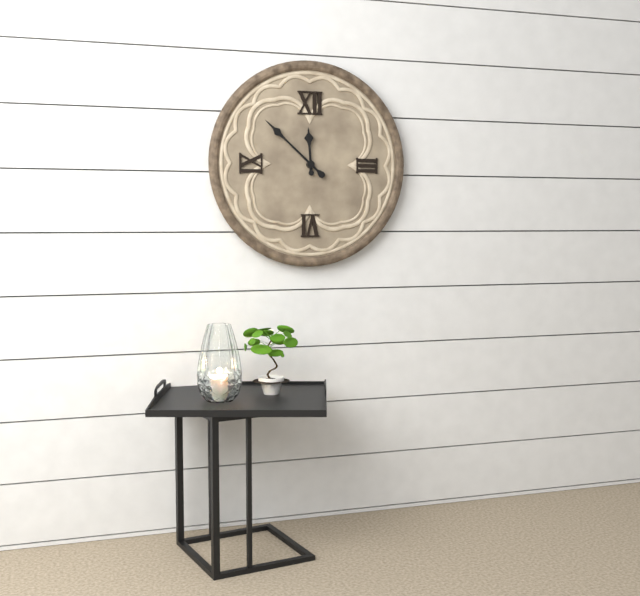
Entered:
11 h 52 min
